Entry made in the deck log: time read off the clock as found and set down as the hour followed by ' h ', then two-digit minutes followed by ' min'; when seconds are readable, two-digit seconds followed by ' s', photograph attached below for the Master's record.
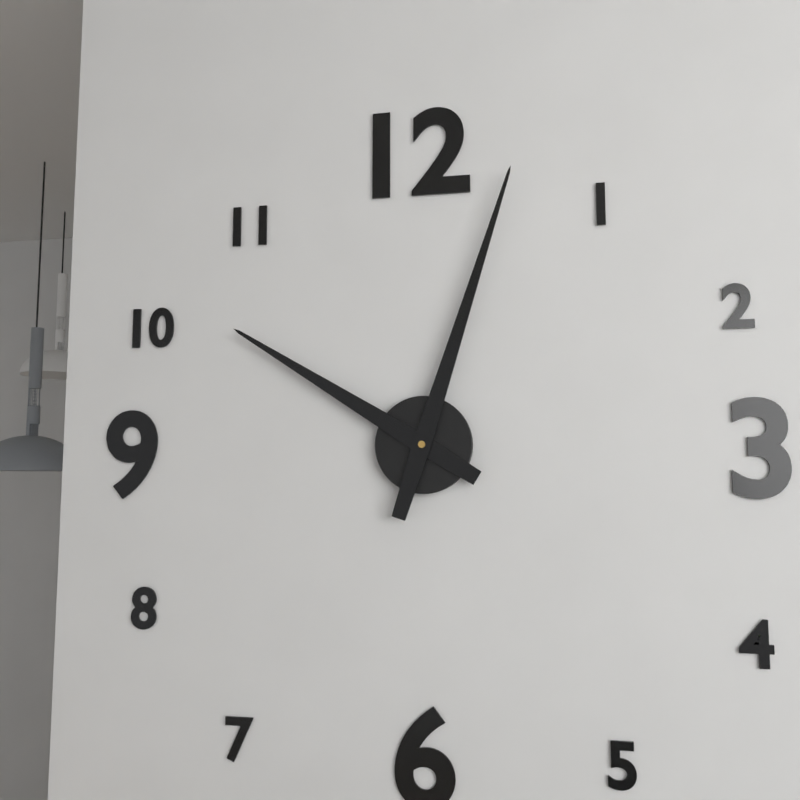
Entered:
10 h 03 min
